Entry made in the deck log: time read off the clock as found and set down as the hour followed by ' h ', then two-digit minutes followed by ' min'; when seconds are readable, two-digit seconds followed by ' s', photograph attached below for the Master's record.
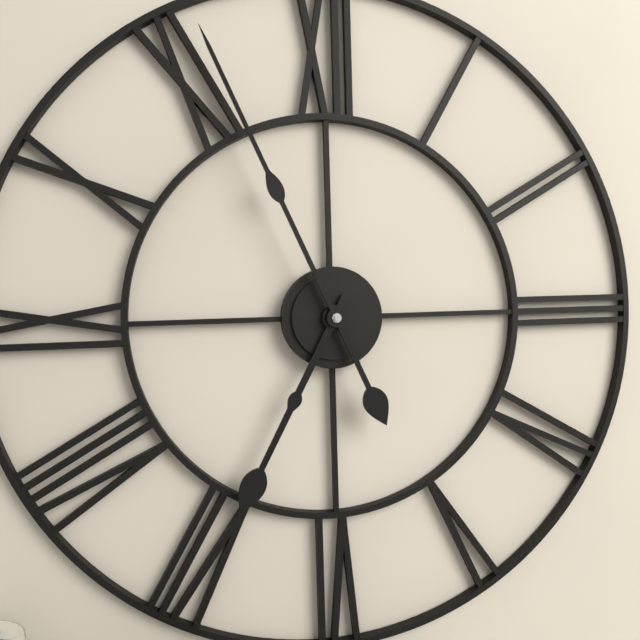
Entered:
6 h 56 min
